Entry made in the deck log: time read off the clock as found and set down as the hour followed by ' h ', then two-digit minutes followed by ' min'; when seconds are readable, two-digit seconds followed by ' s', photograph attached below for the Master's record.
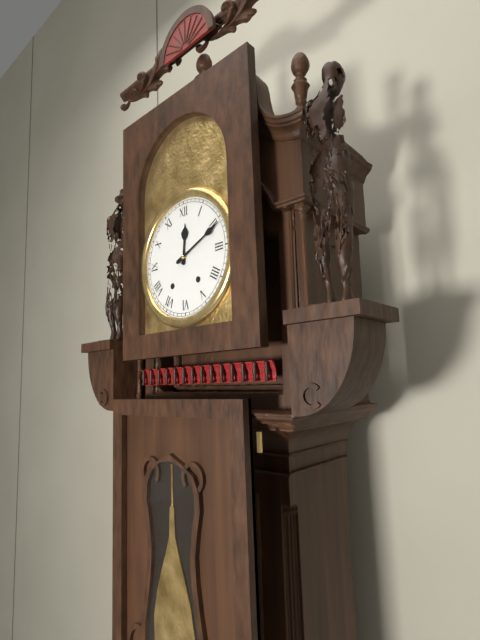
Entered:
12 h 11 min
